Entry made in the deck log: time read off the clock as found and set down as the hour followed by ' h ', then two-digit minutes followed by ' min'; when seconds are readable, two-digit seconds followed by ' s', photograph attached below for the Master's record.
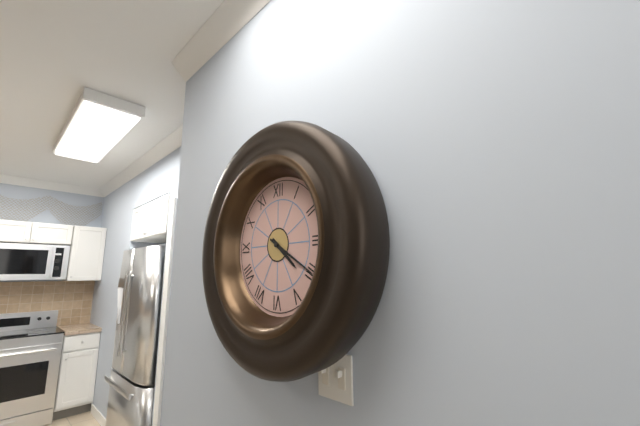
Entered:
4 h 20 min
